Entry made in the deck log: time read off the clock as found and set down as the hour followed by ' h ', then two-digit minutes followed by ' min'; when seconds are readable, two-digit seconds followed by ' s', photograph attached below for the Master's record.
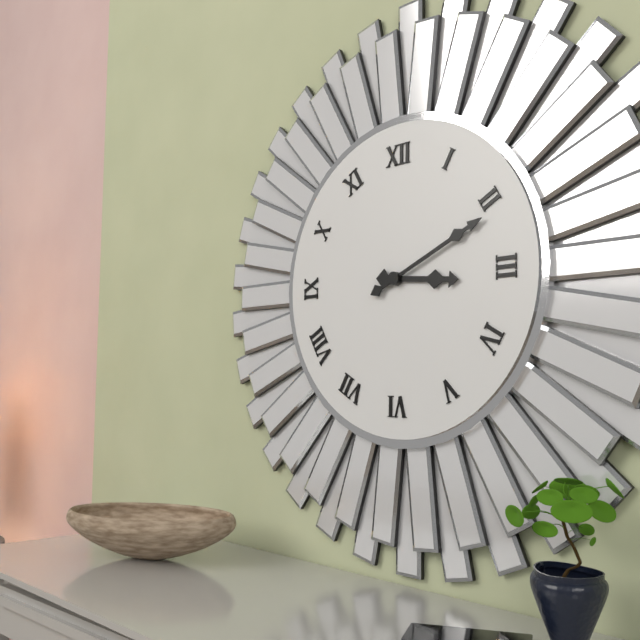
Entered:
3 h 11 min
